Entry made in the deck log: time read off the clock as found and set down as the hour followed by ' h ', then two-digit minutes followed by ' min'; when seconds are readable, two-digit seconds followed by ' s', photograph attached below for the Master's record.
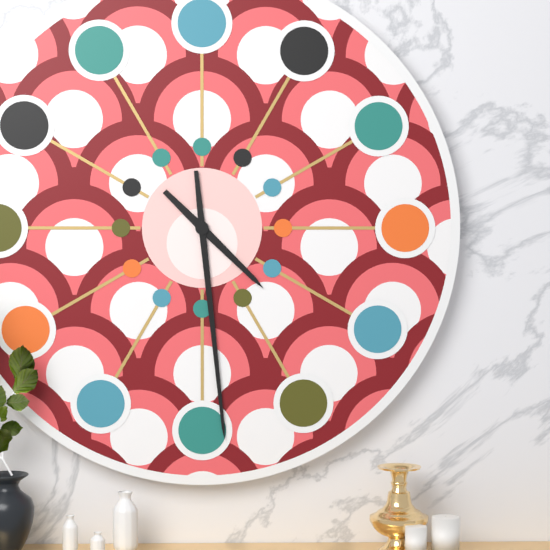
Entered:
4 h 29 min
